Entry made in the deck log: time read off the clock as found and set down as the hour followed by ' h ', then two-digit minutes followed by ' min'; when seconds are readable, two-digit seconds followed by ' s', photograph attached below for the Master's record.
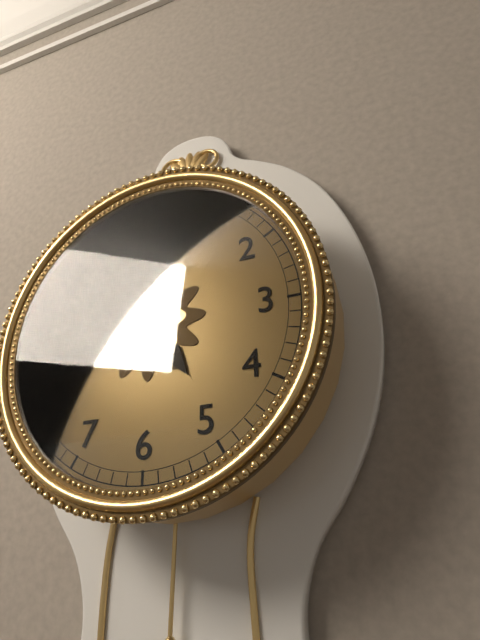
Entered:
4 h 49 min
